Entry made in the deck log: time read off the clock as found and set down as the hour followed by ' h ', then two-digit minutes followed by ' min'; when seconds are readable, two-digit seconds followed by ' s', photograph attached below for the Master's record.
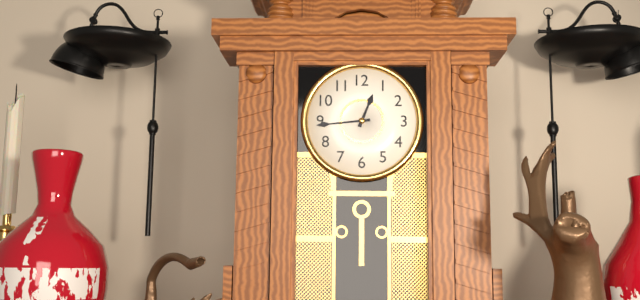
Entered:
12 h 44 min
